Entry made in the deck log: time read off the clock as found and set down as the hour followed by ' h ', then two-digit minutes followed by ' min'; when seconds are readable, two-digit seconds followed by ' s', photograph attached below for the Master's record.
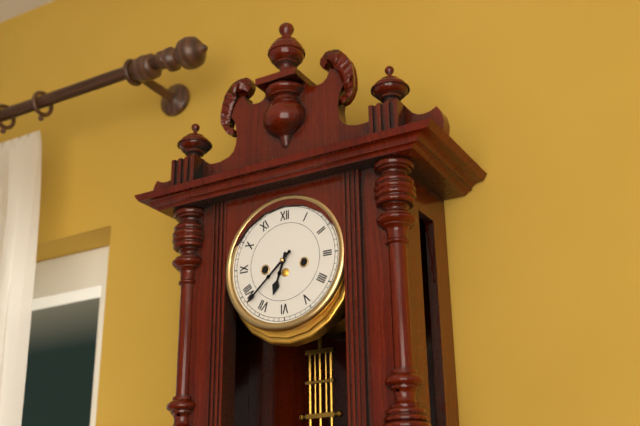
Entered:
6 h 38 min
